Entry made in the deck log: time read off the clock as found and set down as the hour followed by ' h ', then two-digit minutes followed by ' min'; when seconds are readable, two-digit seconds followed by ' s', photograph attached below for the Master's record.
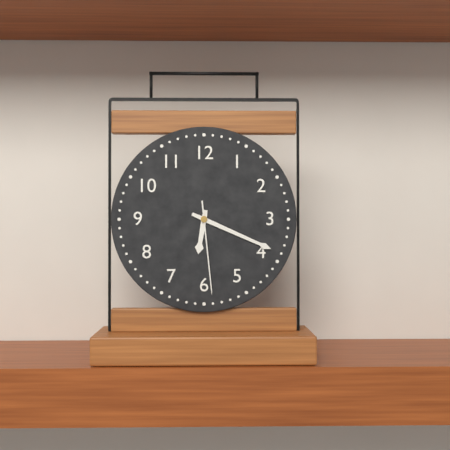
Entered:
6 h 19 min 29 s
